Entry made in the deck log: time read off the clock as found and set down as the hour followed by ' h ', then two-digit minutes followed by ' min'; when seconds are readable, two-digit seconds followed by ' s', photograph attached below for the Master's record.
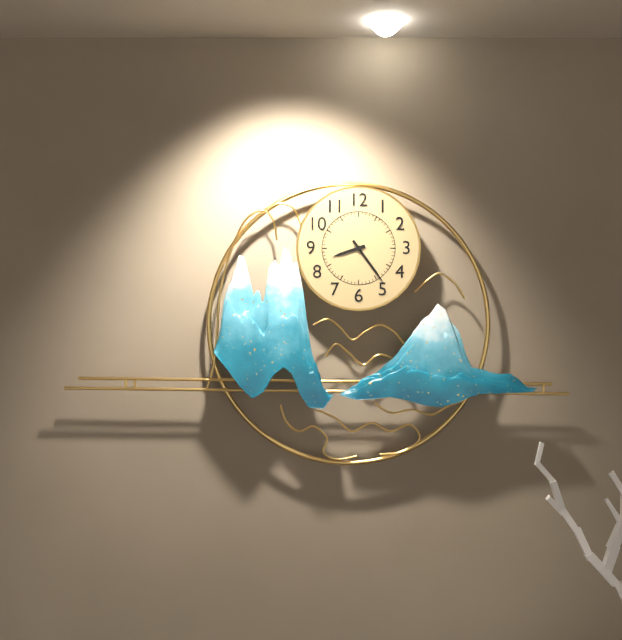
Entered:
8 h 24 min
